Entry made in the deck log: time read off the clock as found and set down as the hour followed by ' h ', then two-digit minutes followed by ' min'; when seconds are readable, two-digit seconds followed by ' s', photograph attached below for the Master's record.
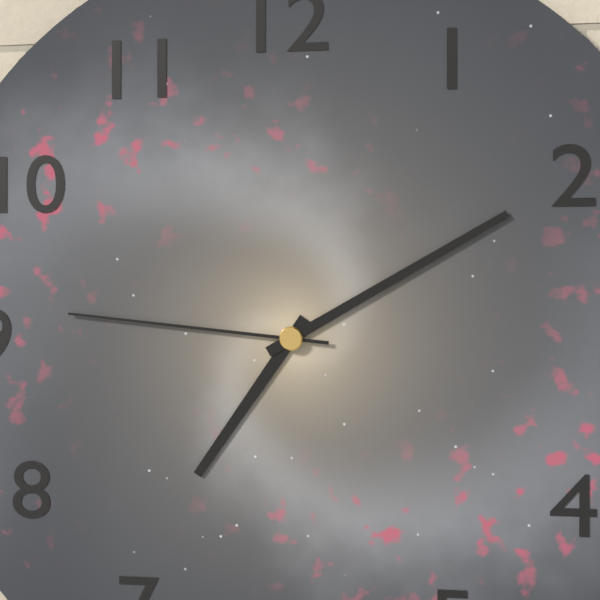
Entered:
7 h 10 min 46 s
